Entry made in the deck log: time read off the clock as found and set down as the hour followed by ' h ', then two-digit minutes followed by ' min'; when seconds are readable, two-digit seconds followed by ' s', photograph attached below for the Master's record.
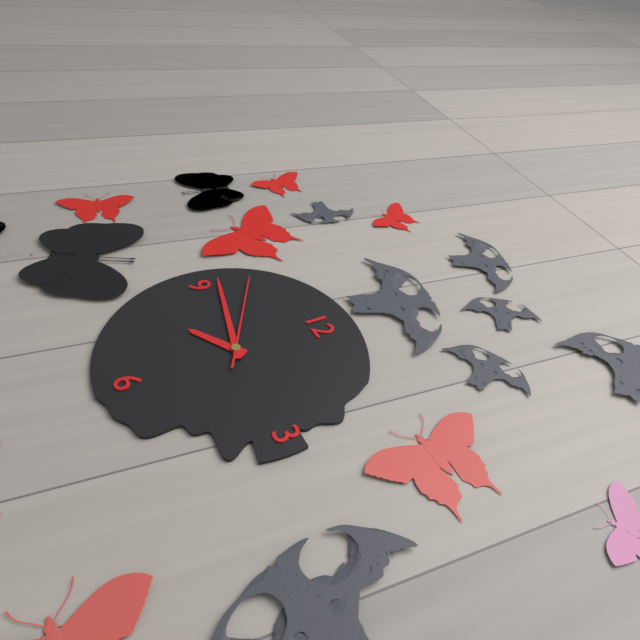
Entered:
7 h 47 min 50 s
